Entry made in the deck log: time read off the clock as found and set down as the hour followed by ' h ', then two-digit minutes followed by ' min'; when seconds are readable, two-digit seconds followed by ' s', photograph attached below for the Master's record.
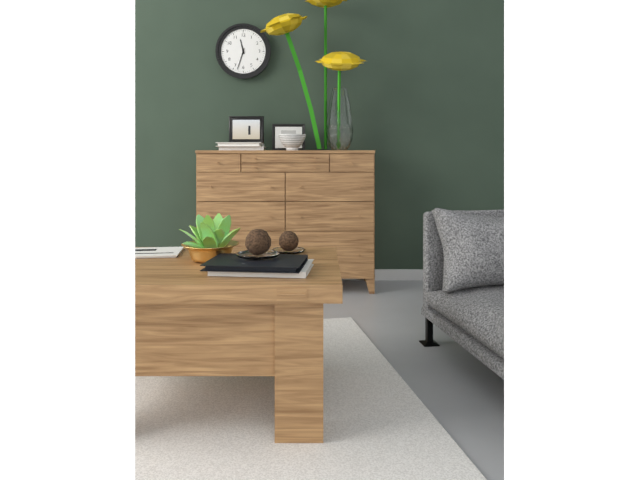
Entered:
11 h 33 min
